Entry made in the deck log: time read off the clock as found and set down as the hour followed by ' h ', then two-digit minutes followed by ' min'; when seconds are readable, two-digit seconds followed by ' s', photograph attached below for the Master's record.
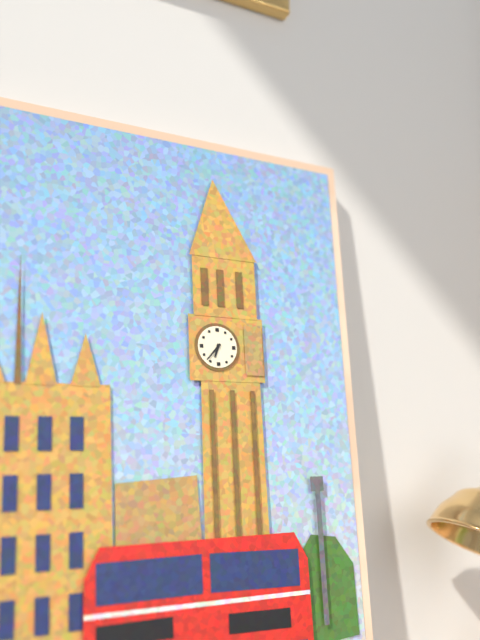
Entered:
6 h 37 min
